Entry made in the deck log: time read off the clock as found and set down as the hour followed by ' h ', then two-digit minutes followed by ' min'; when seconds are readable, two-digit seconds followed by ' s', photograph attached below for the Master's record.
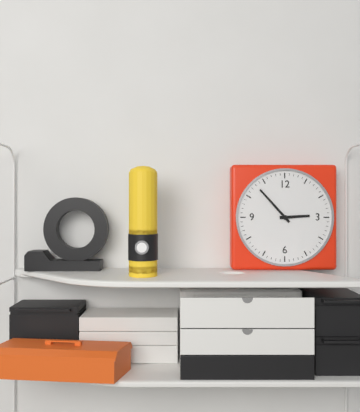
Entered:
2 h 53 min
